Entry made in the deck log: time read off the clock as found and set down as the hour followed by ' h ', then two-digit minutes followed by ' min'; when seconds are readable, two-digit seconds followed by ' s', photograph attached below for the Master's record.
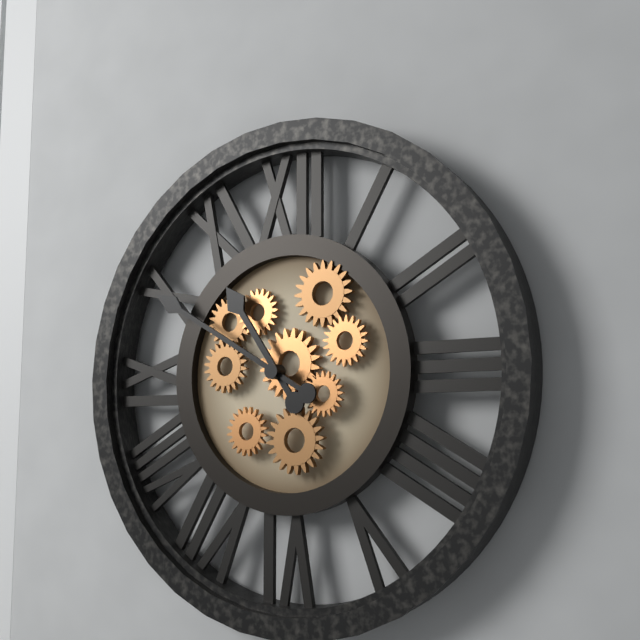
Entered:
10 h 50 min
